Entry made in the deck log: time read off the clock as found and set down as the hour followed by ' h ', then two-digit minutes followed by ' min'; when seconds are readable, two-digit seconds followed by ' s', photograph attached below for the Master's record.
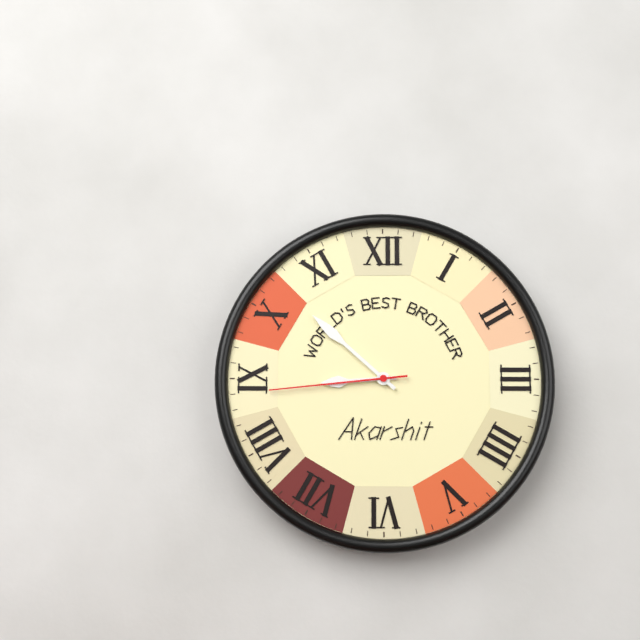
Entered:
8 h 52 min 44 s
